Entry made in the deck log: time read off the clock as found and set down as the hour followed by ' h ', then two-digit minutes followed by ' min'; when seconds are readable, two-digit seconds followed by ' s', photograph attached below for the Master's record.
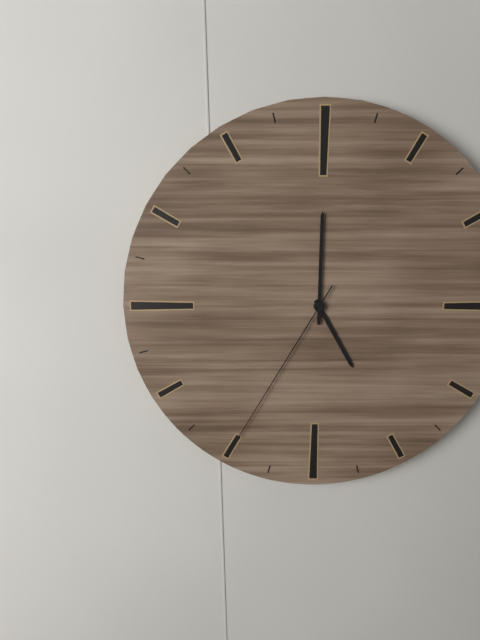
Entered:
5 h 00 min 35 s
